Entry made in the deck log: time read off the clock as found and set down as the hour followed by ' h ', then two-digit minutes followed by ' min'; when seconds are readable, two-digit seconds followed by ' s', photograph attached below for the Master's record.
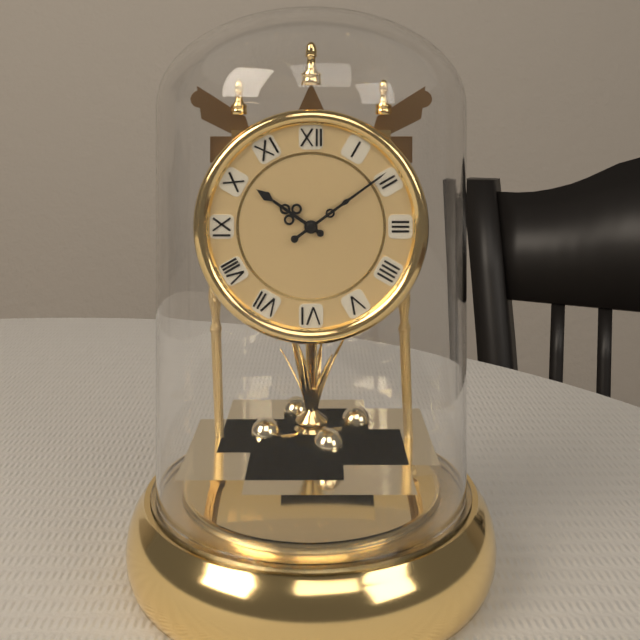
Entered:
10 h 09 min
